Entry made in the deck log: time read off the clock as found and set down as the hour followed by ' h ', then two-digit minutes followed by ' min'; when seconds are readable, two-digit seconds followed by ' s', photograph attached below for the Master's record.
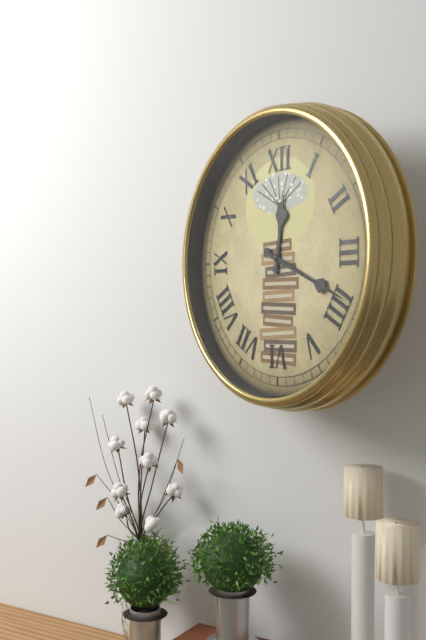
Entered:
12 h 19 min
